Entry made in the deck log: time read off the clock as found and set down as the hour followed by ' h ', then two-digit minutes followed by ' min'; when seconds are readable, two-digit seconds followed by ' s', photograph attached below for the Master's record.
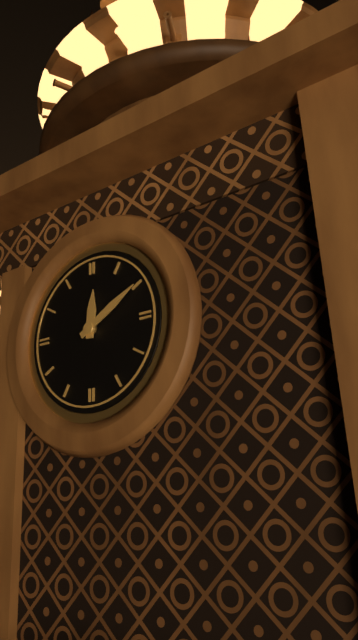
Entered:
12 h 10 min
